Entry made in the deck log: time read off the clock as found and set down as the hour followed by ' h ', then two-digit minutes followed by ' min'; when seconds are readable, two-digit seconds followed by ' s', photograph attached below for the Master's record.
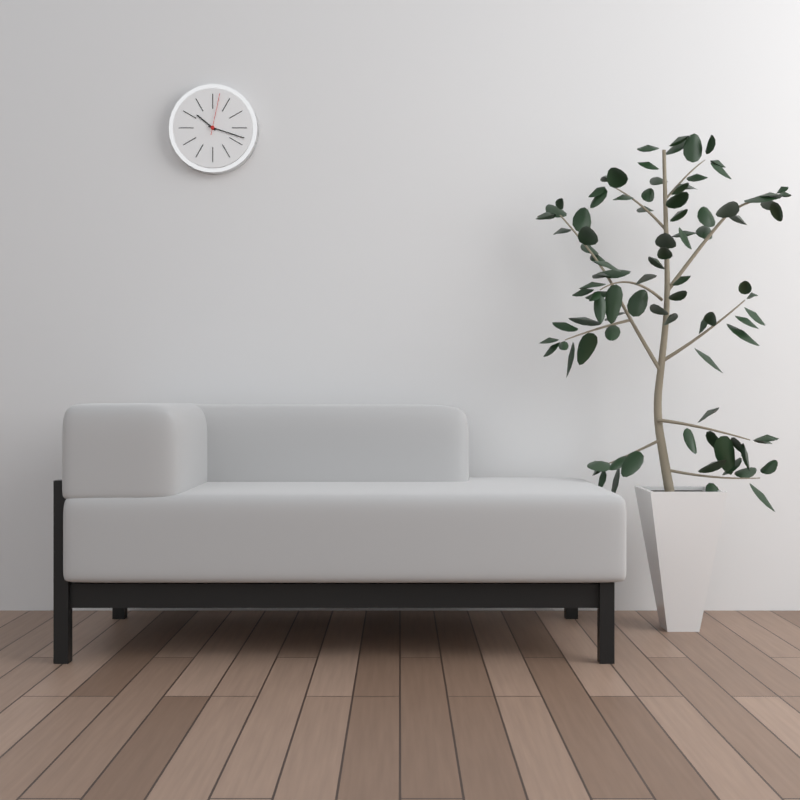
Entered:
10 h 18 min
